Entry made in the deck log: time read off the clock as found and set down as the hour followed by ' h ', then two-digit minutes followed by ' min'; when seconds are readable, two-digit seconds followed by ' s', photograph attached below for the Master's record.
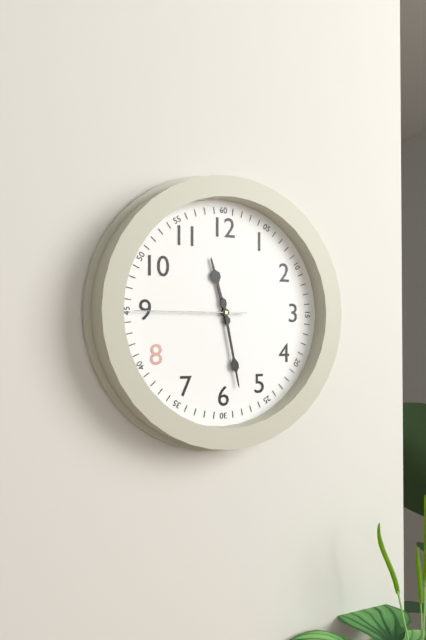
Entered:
11 h 28 min 45 s
